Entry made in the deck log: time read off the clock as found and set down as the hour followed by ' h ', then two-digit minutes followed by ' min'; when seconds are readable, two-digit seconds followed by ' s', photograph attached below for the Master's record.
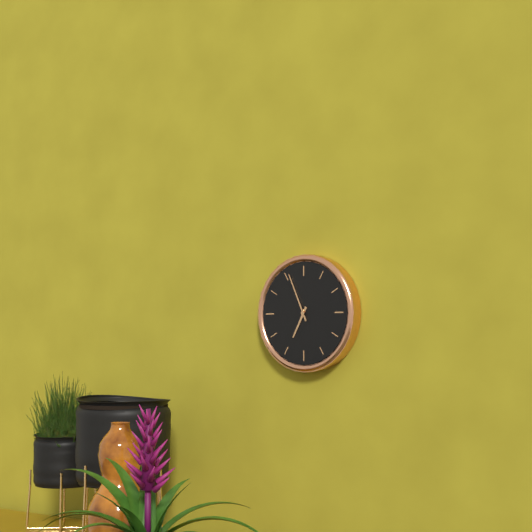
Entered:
6 h 56 min
